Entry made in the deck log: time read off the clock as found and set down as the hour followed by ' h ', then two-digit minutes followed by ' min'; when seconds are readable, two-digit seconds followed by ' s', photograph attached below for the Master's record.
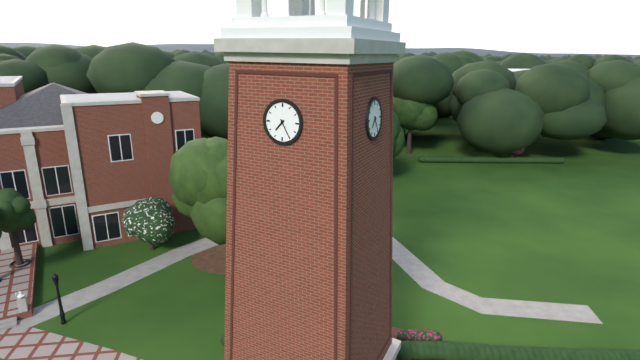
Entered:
7 h 25 min
